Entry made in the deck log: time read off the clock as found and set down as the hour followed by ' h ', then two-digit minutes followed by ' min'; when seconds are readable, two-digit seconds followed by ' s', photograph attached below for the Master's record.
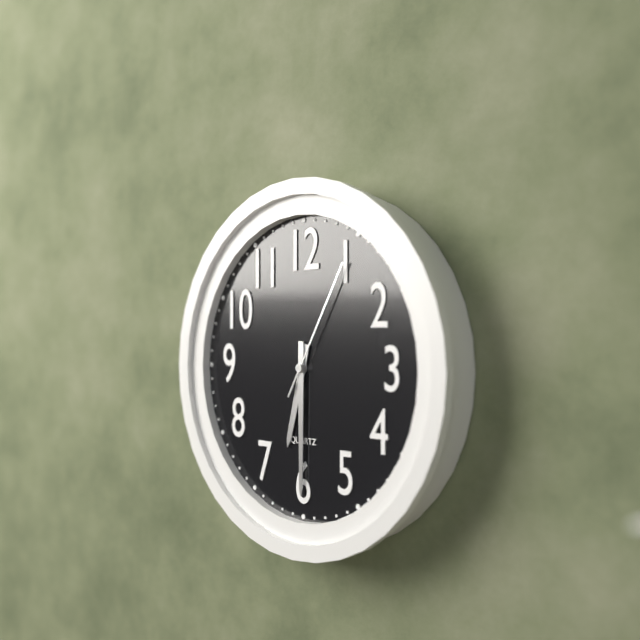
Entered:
6 h 30 min 05 s
